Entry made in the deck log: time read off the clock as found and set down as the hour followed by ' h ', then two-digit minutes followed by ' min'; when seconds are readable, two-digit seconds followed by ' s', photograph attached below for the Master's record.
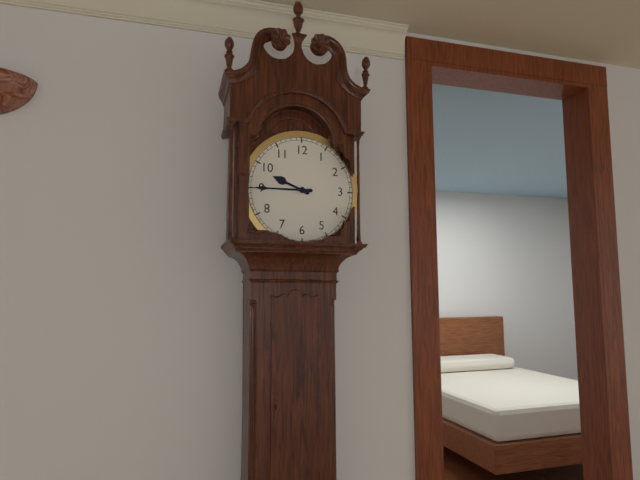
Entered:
9 h 45 min
